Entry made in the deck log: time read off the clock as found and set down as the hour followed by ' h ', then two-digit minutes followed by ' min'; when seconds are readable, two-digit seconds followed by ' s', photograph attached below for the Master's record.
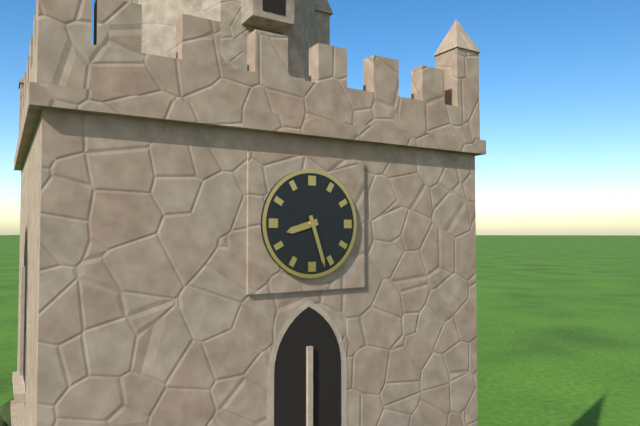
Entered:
8 h 27 min
